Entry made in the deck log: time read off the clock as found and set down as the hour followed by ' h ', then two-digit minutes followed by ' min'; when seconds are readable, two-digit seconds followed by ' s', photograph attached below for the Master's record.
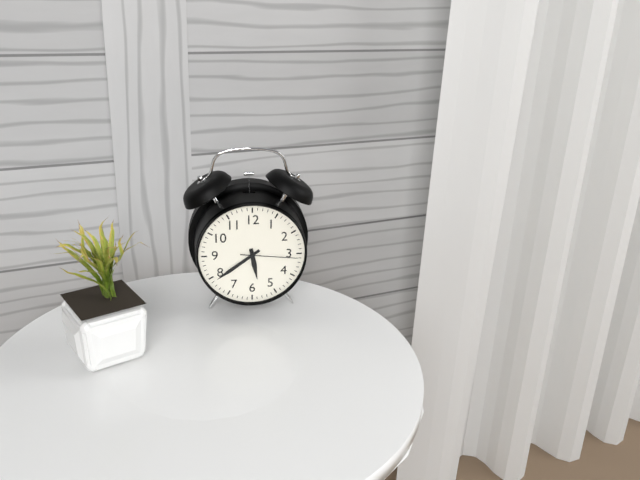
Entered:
5 h 39 min 16 s
